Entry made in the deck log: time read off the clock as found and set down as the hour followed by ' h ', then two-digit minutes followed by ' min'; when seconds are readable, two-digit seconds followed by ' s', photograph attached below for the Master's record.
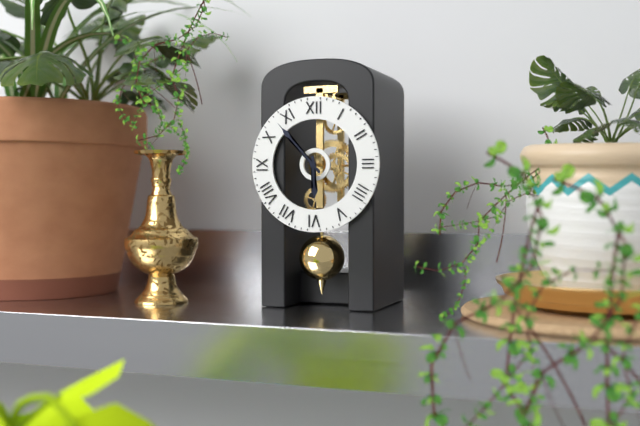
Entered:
5 h 53 min
